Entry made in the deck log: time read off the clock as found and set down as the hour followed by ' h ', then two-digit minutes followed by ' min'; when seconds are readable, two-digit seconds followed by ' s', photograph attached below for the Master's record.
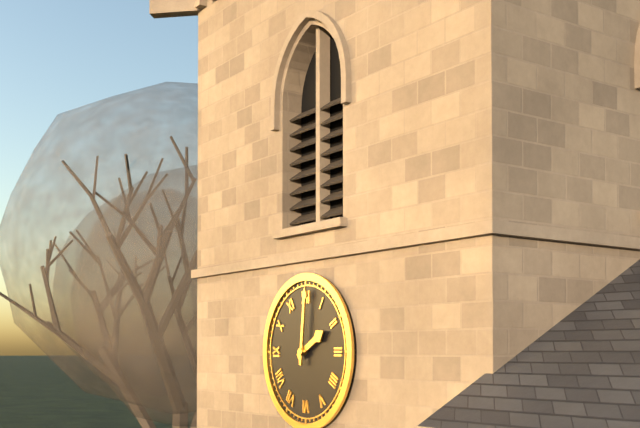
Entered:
2 h 01 min
